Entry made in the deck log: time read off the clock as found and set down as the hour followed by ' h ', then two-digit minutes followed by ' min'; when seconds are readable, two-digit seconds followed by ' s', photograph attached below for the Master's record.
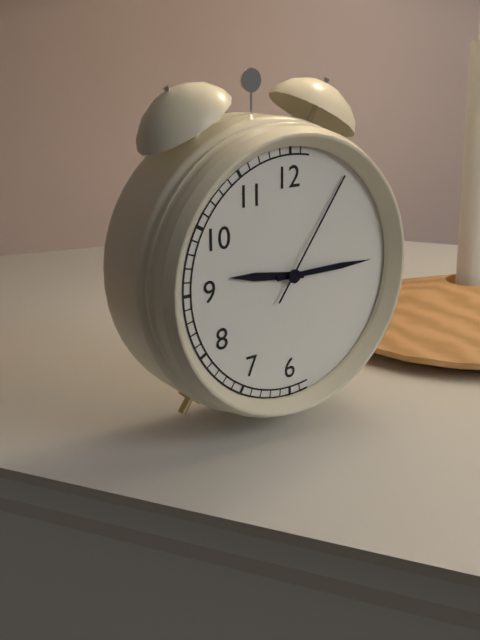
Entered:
9 h 15 min 06 s
